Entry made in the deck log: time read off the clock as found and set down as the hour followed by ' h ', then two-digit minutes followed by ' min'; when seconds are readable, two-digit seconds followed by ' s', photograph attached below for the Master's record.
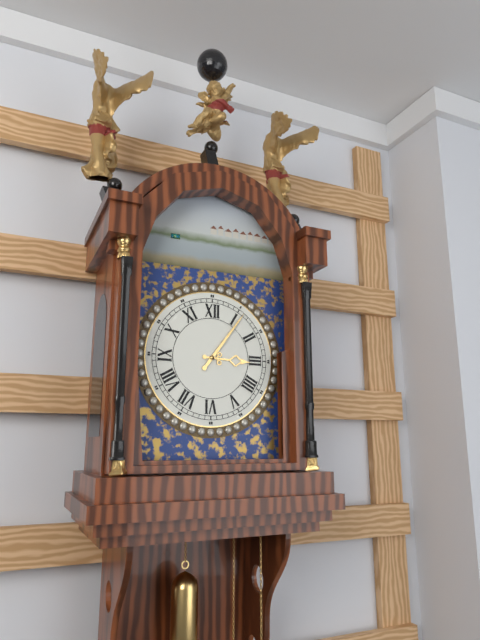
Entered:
3 h 06 min
